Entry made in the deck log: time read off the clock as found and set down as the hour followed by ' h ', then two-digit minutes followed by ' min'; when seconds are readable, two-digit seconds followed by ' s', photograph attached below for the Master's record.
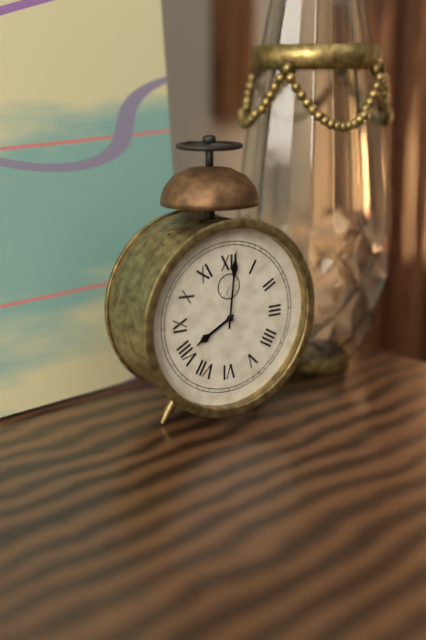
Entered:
8 h 01 min
